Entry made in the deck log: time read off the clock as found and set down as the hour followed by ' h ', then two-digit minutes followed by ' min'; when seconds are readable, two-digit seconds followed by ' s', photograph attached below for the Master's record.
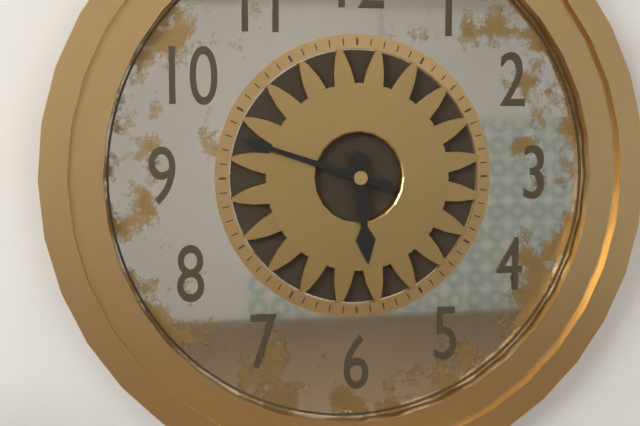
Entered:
5 h 48 min
